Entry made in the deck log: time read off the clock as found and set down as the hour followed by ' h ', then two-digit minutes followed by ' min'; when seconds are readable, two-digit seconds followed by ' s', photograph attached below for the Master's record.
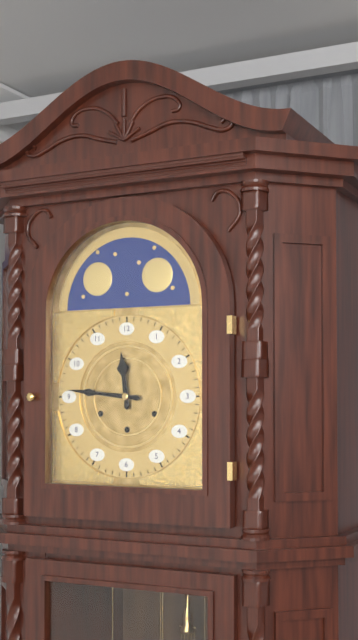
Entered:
11 h 46 min
